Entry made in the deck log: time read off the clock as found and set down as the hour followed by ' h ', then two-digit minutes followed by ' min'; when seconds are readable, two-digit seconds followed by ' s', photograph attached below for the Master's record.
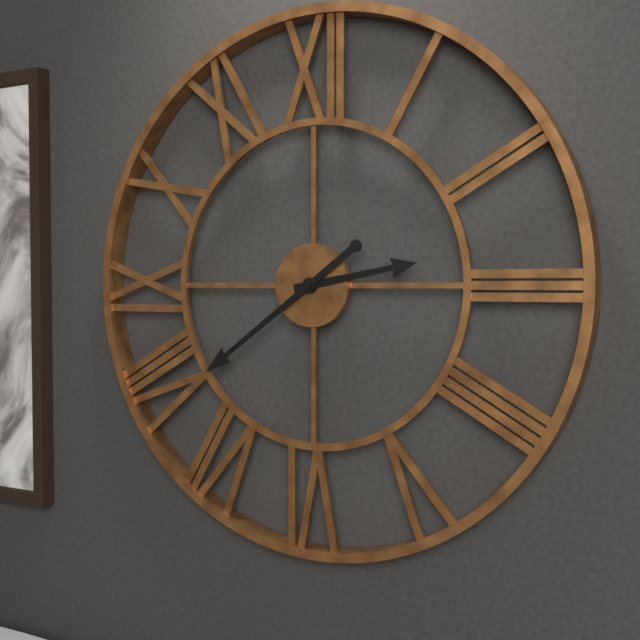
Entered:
2 h 39 min
